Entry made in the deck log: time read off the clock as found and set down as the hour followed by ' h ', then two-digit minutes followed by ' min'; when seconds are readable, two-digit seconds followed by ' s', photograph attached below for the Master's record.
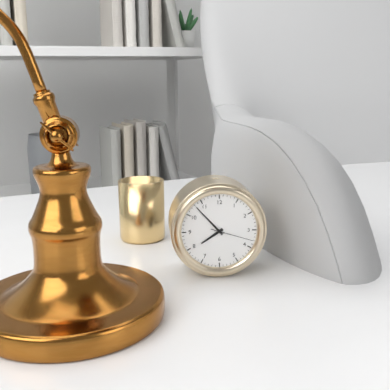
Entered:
7 h 53 min 18 s
